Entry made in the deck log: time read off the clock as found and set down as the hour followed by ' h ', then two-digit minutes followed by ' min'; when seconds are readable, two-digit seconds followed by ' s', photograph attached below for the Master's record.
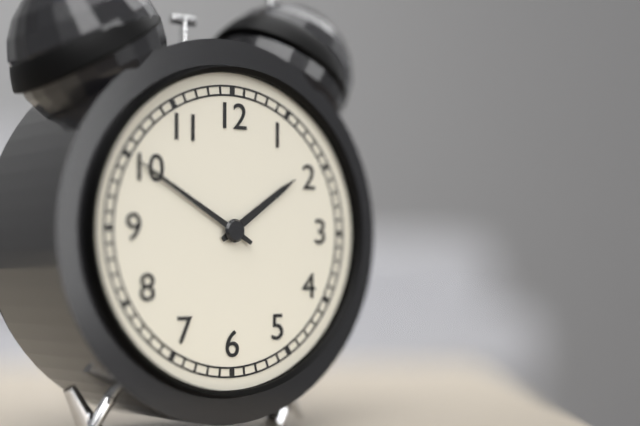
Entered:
1 h 50 min
